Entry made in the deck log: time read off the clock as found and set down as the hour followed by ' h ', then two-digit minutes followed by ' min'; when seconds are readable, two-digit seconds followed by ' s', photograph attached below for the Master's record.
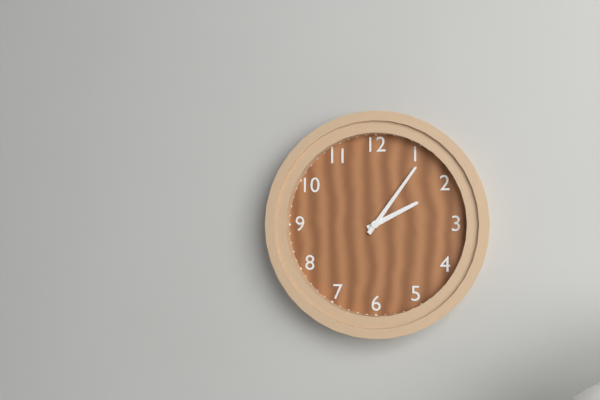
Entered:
2 h 06 min
